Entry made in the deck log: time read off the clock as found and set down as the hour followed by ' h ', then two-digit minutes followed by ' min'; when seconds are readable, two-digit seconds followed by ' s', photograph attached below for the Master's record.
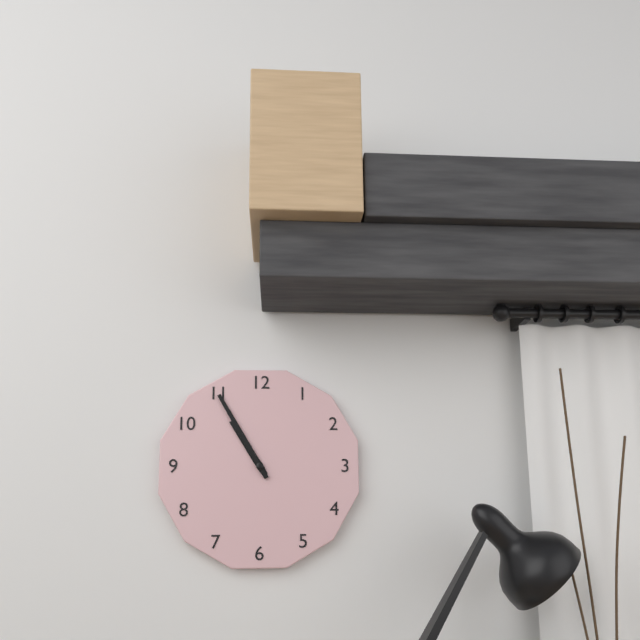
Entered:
10 h 55 min
